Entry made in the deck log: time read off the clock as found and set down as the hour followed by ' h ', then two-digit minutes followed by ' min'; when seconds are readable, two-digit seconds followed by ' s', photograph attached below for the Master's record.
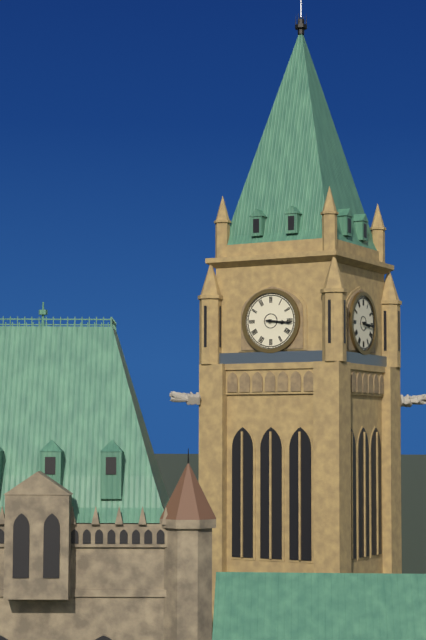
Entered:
3 h 16 min
